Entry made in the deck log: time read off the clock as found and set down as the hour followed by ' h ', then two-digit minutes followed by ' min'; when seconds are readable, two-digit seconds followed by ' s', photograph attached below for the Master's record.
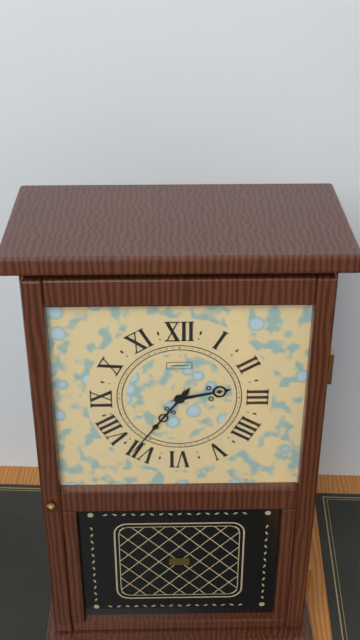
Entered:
2 h 36 min
